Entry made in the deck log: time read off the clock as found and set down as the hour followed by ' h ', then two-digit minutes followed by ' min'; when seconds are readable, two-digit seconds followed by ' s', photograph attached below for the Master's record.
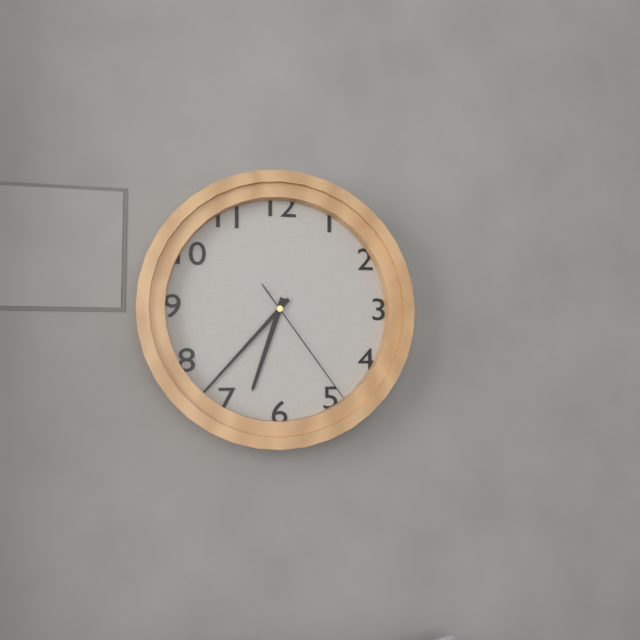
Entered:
6 h 37 min 24 s
